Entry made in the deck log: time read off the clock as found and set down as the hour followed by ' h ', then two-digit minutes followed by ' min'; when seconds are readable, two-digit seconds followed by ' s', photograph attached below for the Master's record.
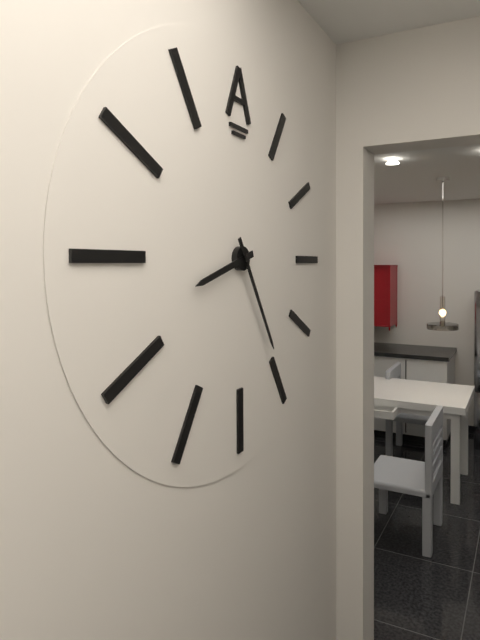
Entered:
8 h 25 min
